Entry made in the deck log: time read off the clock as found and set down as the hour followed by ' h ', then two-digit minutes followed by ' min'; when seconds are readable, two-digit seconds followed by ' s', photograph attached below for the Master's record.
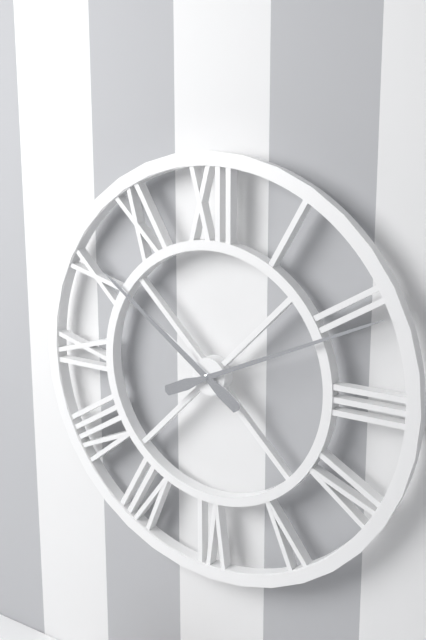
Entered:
10 h 11 min
